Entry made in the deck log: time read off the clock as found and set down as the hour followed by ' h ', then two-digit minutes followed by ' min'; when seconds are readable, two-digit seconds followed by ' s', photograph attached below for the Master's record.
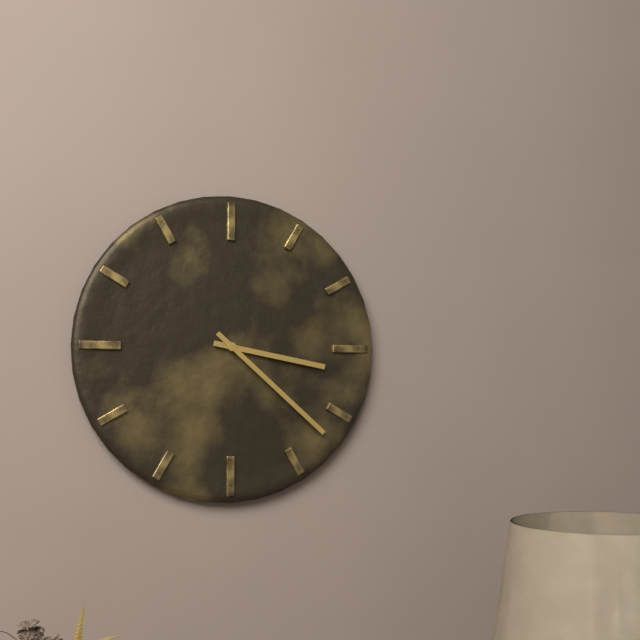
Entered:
3 h 22 min
